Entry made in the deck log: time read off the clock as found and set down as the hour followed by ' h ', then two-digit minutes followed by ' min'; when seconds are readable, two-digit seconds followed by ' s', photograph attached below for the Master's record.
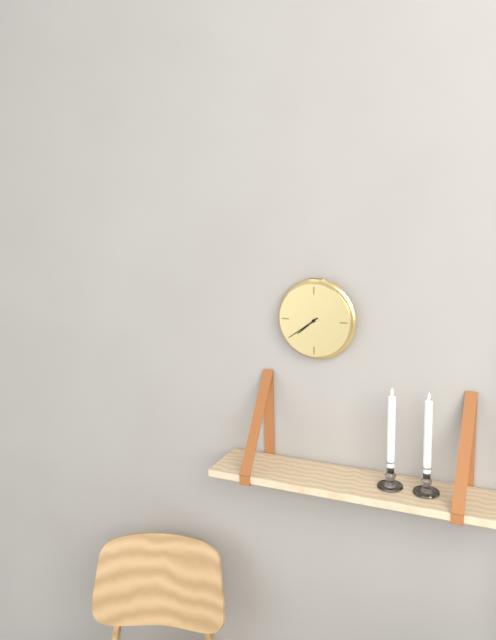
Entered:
7 h 39 min
